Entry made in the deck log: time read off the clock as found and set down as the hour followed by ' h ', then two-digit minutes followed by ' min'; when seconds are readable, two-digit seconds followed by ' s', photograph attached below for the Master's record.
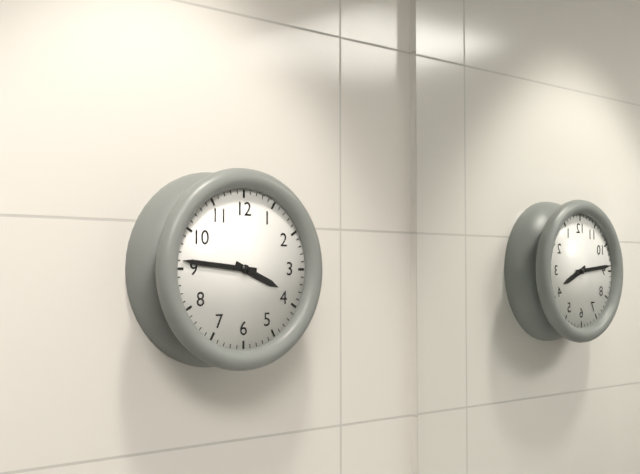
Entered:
3 h 46 min
